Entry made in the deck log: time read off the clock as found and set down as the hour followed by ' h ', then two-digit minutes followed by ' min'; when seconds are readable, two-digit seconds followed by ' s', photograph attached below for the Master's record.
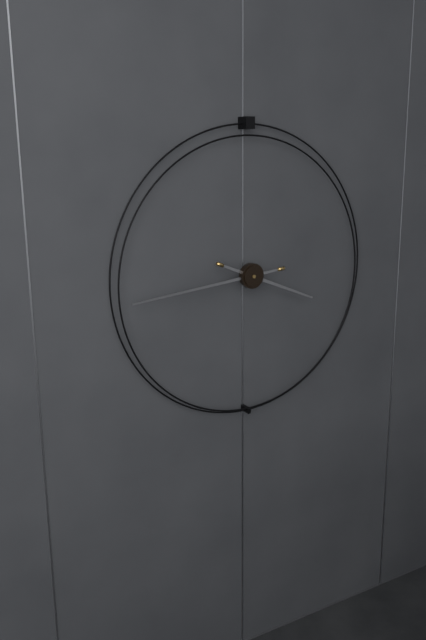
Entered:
3 h 44 min
